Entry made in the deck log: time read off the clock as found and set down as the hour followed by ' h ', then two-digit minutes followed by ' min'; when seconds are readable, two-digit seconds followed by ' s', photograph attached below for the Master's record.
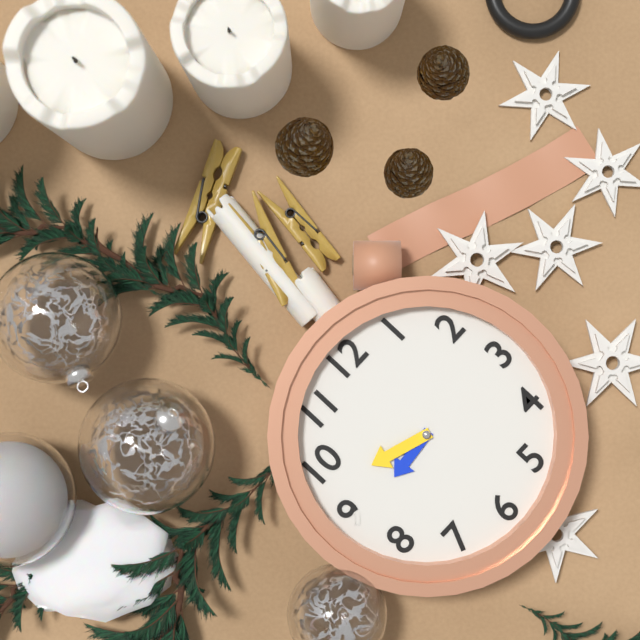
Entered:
8 h 48 min
